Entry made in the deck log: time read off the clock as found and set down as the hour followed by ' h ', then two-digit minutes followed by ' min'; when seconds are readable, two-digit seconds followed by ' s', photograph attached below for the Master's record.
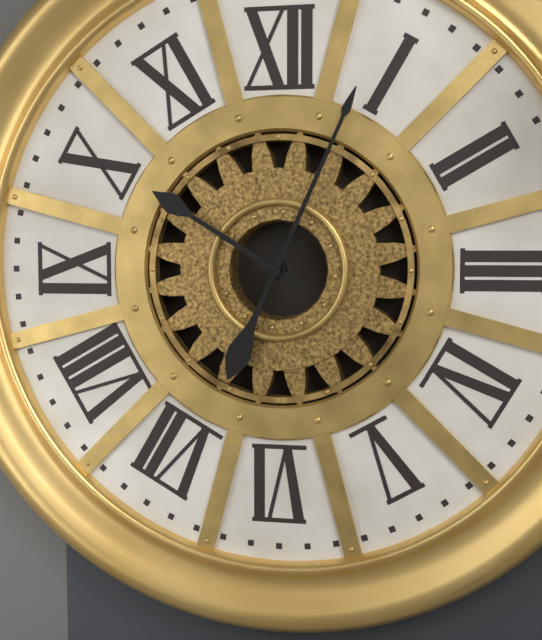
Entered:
10 h 04 min
